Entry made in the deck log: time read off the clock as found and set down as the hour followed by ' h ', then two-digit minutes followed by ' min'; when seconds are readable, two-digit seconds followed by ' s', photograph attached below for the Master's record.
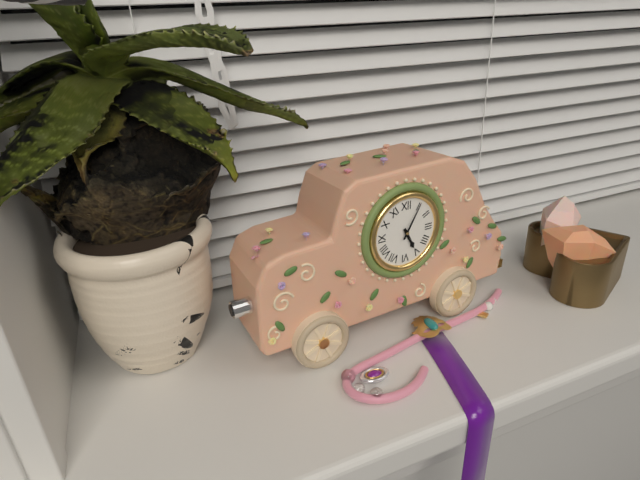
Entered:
5 h 05 min
